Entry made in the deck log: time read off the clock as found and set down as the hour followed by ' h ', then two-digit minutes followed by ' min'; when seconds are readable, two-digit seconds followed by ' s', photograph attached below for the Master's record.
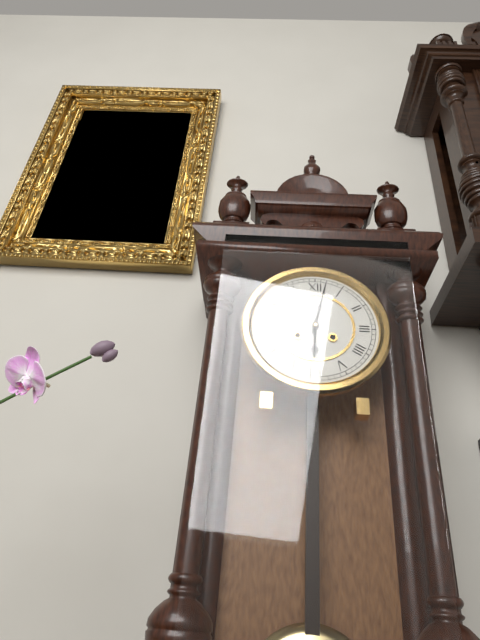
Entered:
6 h 02 min
